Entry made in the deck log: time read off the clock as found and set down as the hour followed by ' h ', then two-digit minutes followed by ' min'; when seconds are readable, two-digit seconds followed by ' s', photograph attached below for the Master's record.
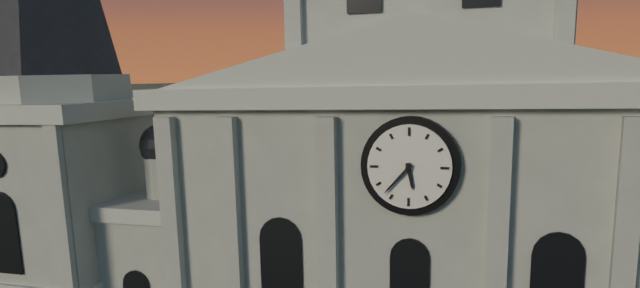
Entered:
5 h 37 min
